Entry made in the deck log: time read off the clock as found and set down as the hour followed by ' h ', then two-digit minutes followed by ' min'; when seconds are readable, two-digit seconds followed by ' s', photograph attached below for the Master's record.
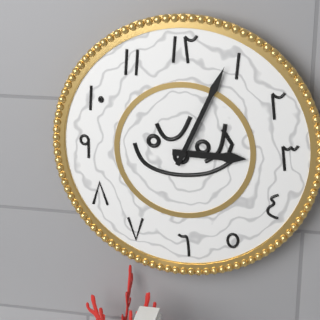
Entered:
3 h 04 min
